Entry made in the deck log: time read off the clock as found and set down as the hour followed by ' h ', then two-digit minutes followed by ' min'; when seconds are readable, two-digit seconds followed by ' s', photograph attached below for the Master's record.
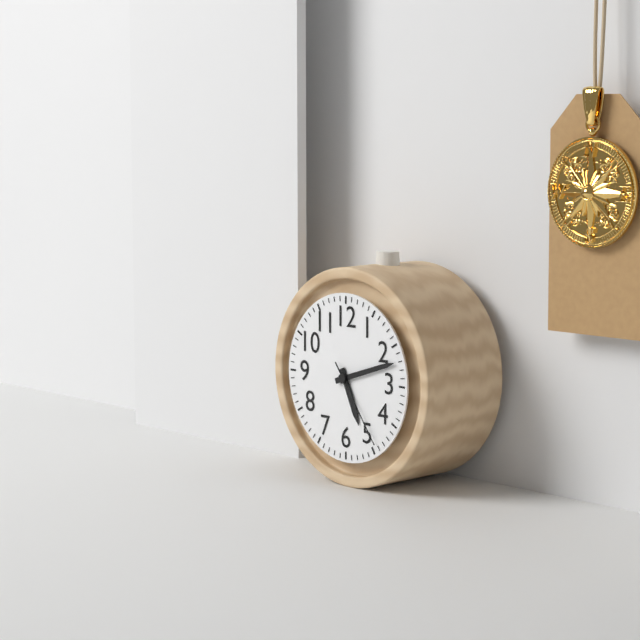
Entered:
5 h 12 min 24 s
